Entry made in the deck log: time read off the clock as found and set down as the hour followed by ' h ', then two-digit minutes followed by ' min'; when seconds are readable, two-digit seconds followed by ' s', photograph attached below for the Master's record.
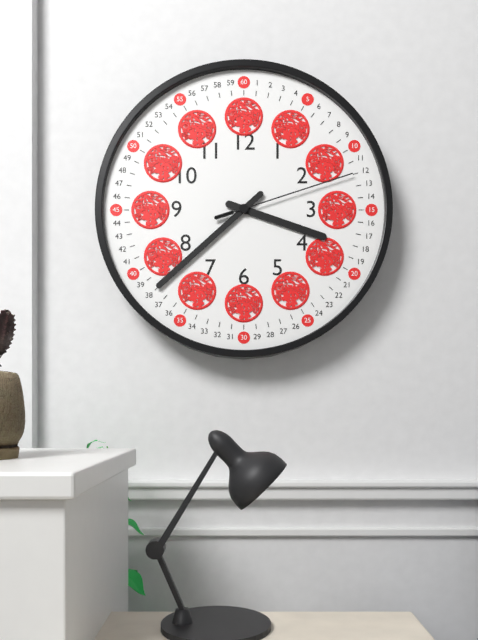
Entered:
3 h 38 min 12 s
